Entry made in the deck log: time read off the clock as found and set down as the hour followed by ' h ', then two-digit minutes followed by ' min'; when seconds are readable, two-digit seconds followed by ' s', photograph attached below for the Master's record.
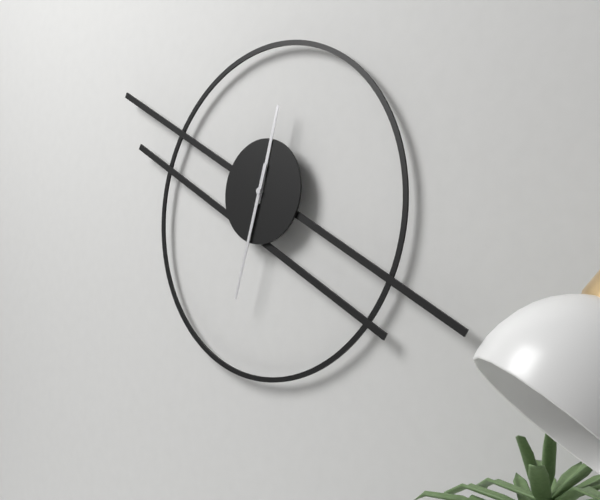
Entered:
12 h 33 min
